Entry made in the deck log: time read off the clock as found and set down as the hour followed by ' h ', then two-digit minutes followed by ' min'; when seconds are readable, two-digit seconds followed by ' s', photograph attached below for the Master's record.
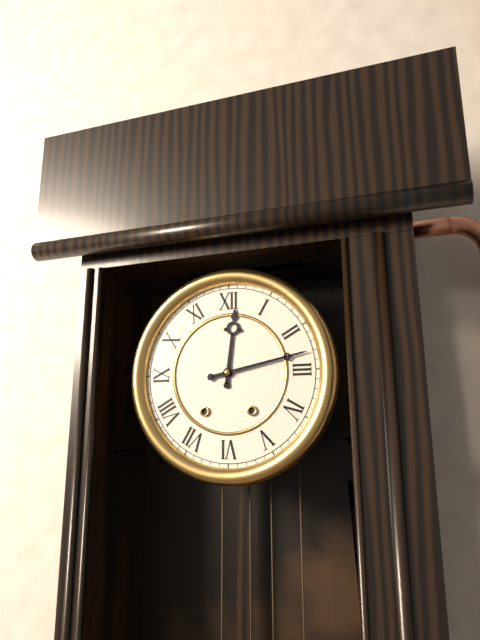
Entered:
12 h 13 min
